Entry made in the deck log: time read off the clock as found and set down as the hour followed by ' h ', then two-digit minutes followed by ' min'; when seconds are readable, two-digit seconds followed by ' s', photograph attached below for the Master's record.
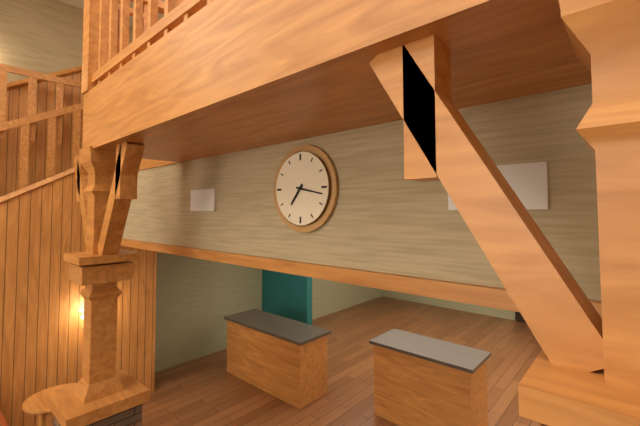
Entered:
7 h 17 min
